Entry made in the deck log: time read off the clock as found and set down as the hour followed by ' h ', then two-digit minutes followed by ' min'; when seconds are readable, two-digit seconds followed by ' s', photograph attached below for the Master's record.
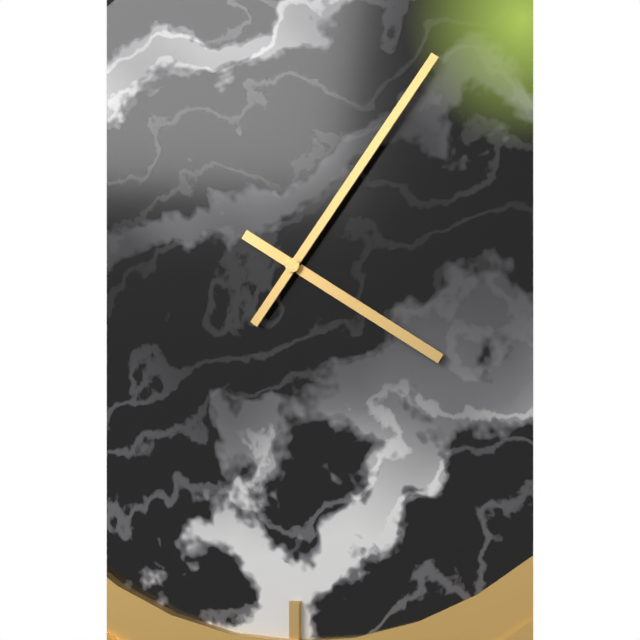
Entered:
4 h 06 min
